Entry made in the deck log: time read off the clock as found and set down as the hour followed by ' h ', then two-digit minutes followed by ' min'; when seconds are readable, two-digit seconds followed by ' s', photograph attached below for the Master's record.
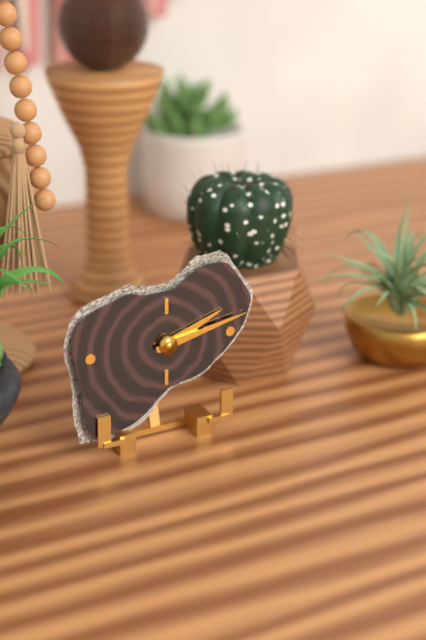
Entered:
2 h 13 min
